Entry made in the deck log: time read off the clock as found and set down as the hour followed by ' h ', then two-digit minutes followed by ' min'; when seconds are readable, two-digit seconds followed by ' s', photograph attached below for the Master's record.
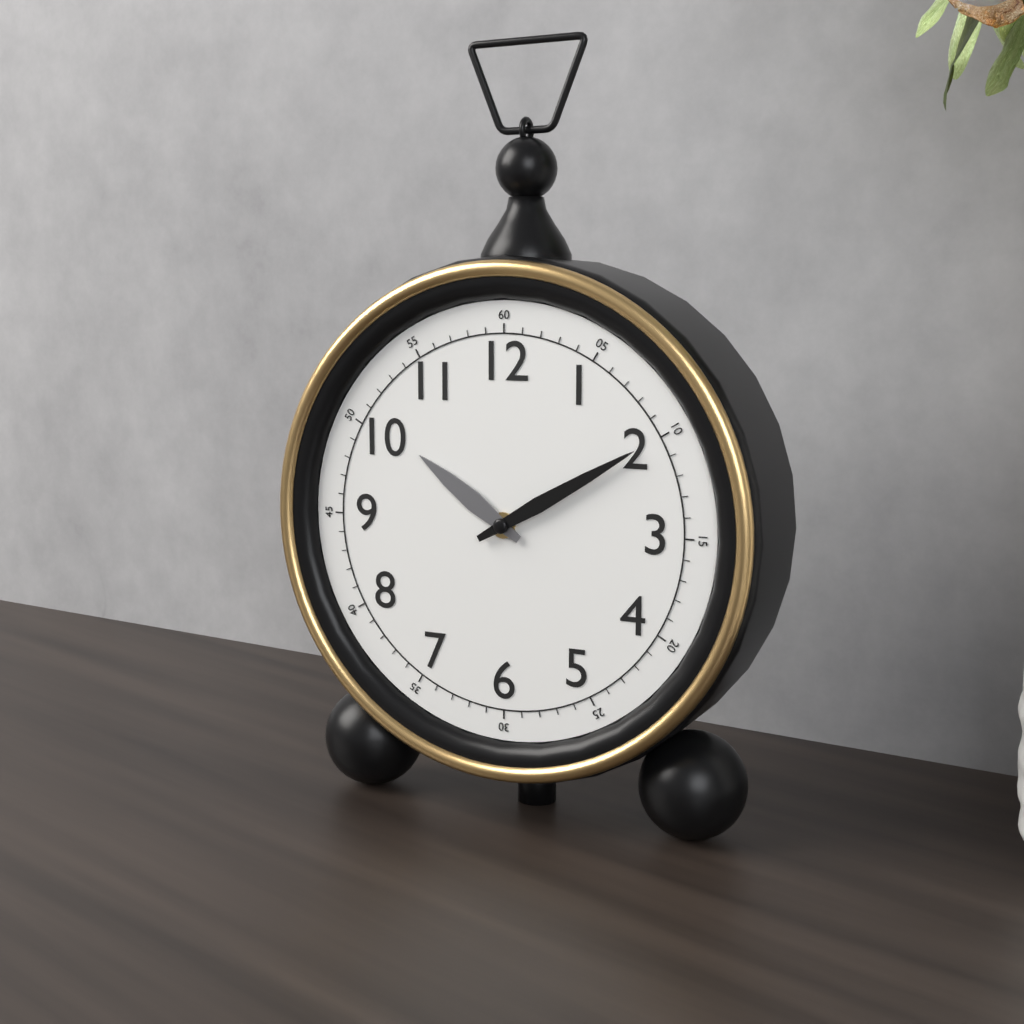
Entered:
10 h 10 min
